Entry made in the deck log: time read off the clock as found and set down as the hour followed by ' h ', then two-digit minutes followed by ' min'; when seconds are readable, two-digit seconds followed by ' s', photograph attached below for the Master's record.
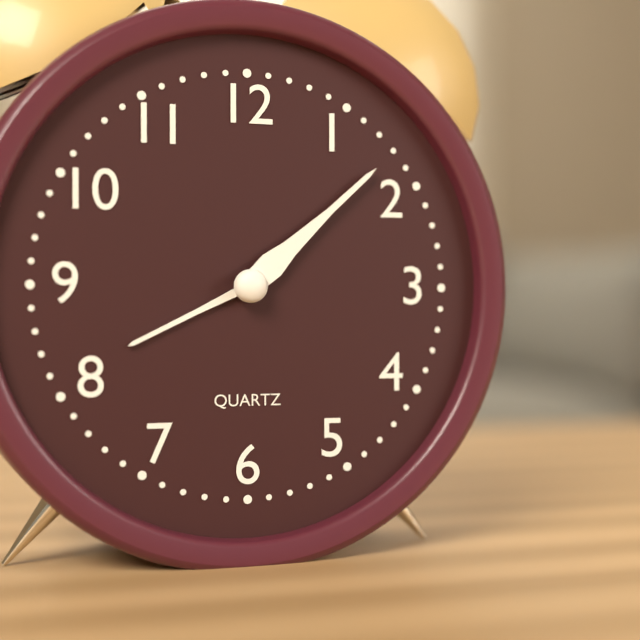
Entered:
8 h 08 min
